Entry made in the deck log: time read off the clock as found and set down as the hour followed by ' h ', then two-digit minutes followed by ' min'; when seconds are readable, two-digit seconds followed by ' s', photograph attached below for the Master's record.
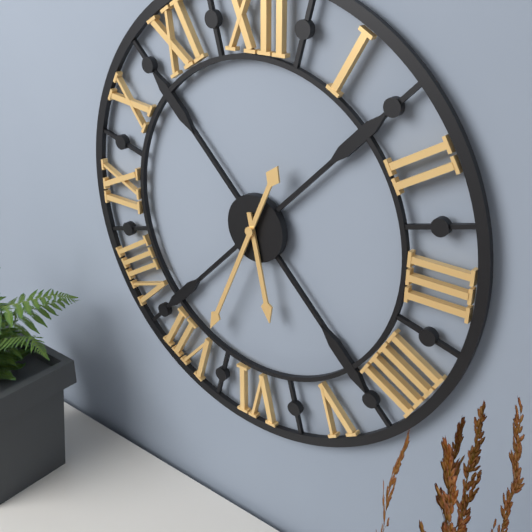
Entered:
5 h 34 min
